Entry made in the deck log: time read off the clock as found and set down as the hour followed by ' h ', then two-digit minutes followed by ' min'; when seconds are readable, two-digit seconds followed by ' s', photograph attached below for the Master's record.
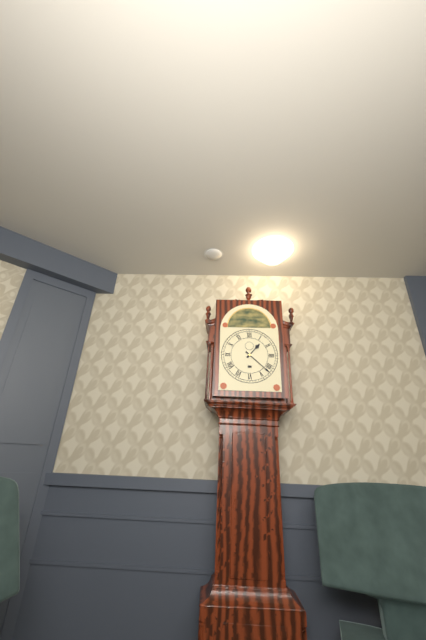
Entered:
1 h 22 min
